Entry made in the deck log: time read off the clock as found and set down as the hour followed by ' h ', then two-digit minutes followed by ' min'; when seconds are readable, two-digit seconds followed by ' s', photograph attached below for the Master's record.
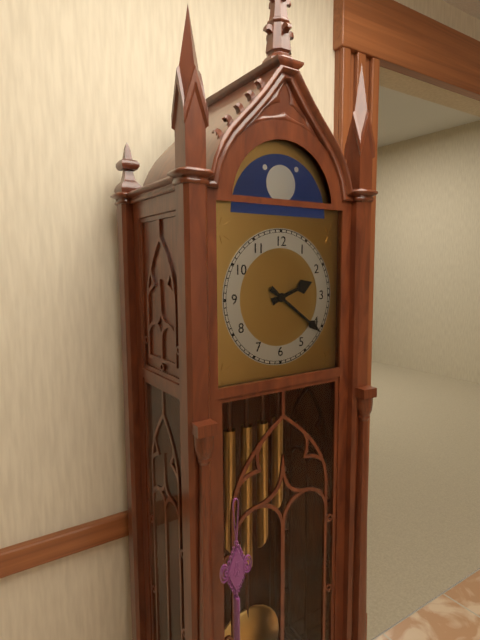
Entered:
2 h 21 min
